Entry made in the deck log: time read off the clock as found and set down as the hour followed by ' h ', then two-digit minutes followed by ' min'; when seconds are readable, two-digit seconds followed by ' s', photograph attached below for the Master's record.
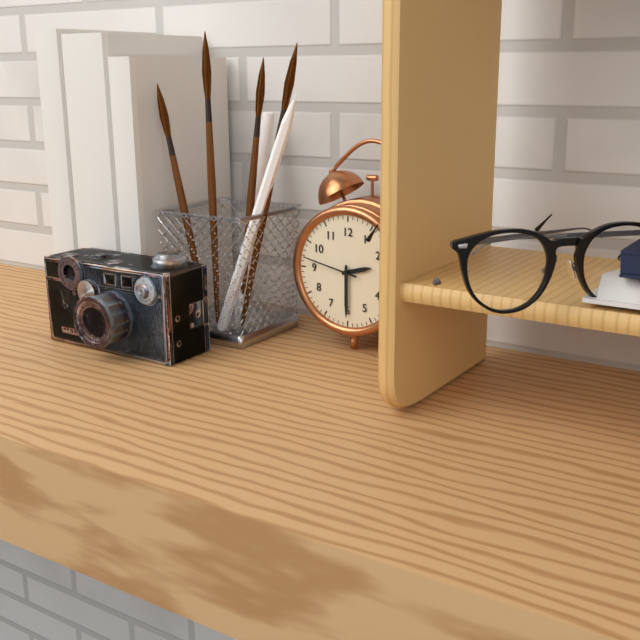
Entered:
2 h 30 min 47 s
